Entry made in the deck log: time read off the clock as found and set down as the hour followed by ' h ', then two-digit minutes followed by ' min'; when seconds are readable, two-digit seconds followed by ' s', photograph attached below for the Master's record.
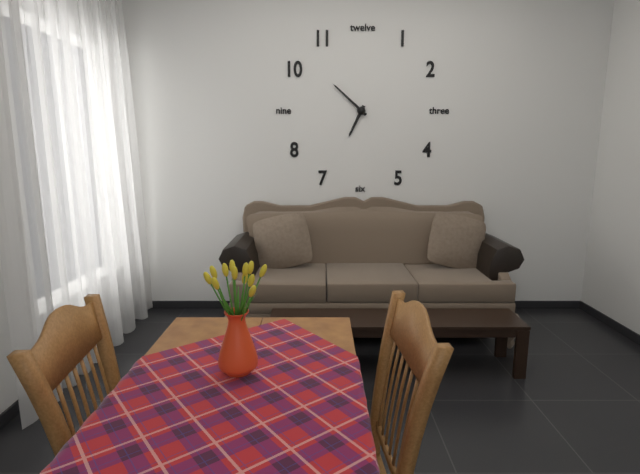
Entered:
6 h 52 min
